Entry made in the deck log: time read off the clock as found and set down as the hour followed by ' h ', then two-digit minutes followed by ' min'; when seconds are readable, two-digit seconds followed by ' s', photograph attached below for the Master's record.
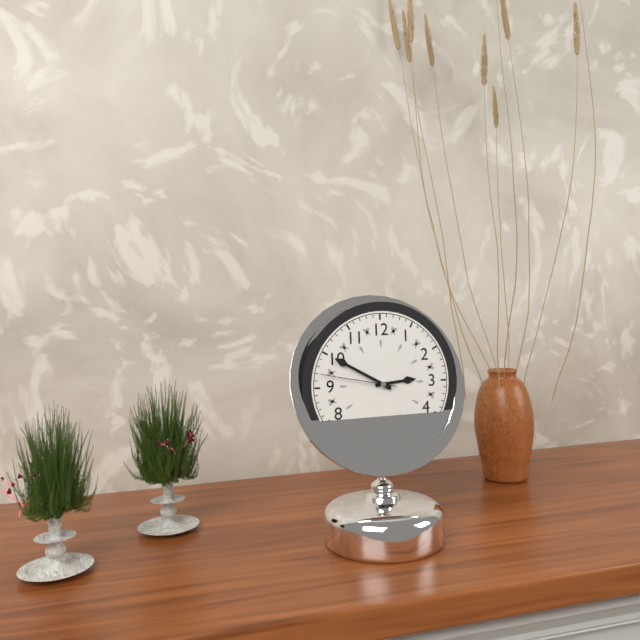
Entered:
2 h 50 min 47 s
